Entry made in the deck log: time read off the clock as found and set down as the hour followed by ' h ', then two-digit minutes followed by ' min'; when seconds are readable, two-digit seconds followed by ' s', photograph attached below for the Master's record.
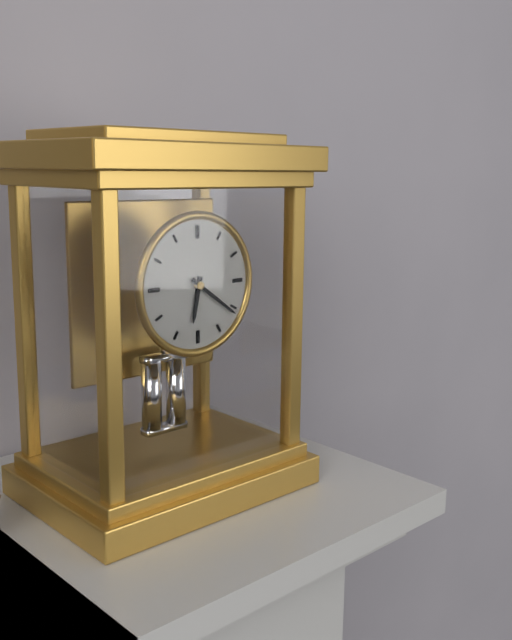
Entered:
6 h 21 min
